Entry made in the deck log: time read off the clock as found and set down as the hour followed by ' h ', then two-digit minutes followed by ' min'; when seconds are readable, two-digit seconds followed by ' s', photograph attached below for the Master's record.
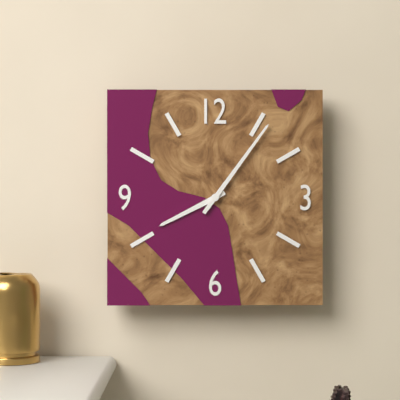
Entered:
8 h 06 min
